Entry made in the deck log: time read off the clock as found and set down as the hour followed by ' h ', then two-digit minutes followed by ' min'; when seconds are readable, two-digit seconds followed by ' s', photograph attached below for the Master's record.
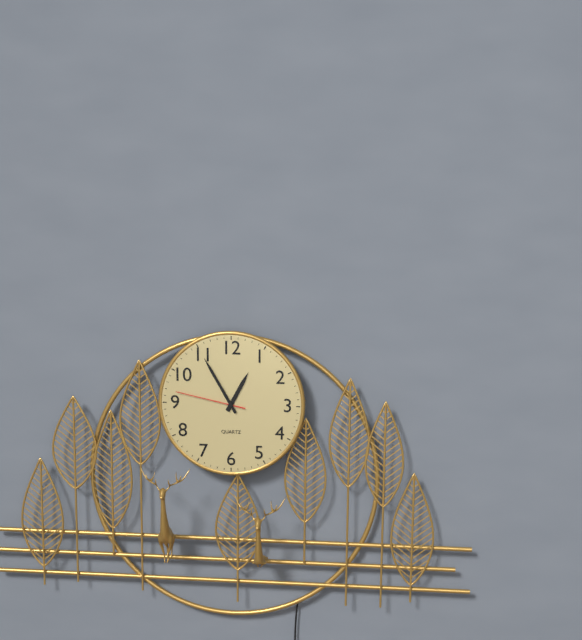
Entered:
12 h 55 min 47 s
